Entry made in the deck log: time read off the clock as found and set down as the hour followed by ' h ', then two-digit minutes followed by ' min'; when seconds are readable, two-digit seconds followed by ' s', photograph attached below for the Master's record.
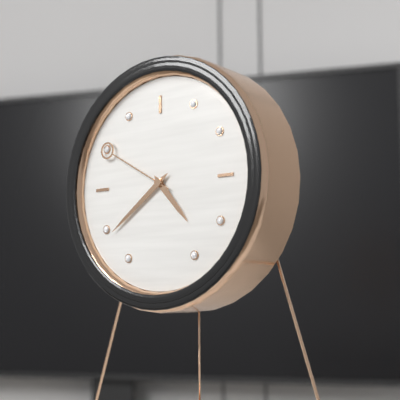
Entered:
4 h 39 min 50 s
